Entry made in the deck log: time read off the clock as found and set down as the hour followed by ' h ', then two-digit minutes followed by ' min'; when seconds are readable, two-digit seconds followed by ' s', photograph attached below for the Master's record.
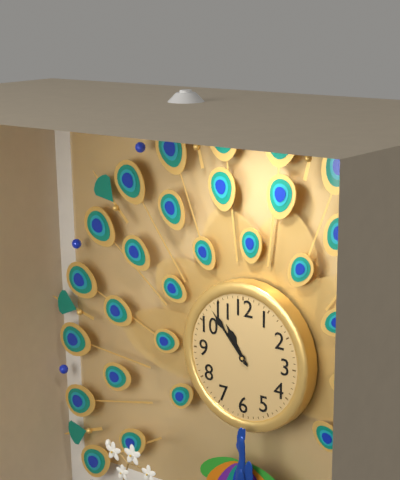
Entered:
10 h 53 min
